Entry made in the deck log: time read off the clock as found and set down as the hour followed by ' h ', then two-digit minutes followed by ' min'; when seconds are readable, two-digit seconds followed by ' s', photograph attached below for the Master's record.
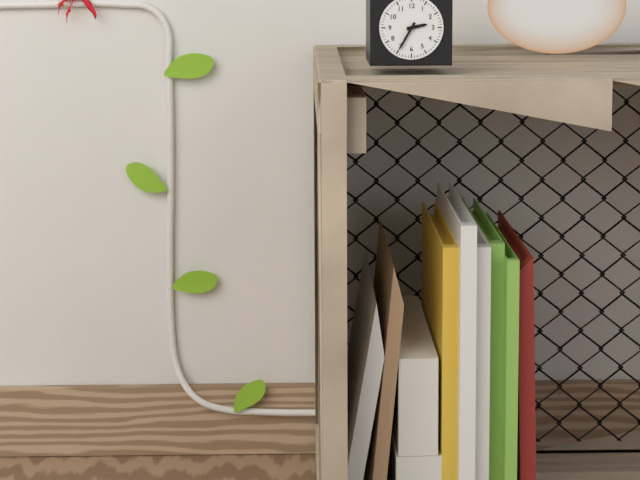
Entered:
2 h 35 min
